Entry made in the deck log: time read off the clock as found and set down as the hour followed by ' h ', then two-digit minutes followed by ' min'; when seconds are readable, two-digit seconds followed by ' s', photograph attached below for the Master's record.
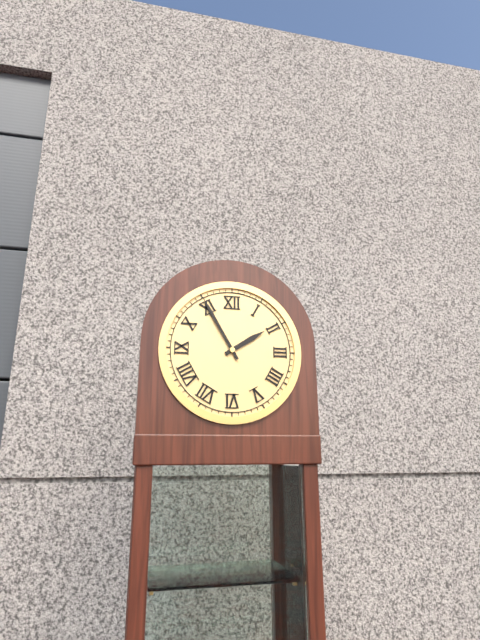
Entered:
1 h 55 min
